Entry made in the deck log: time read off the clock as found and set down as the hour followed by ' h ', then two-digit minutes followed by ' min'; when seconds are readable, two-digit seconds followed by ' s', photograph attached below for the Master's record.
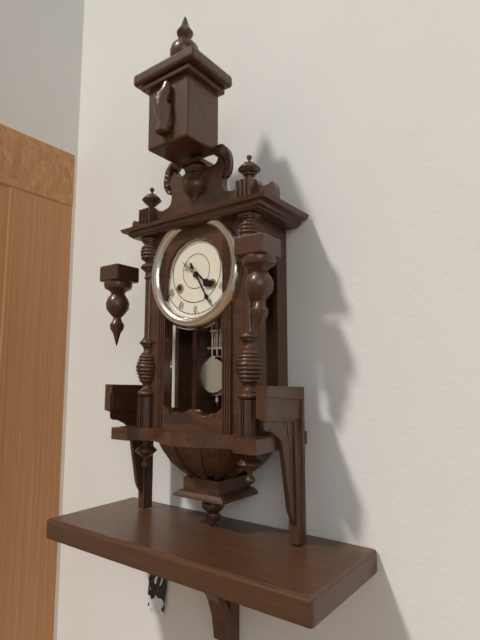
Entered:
4 h 25 min
